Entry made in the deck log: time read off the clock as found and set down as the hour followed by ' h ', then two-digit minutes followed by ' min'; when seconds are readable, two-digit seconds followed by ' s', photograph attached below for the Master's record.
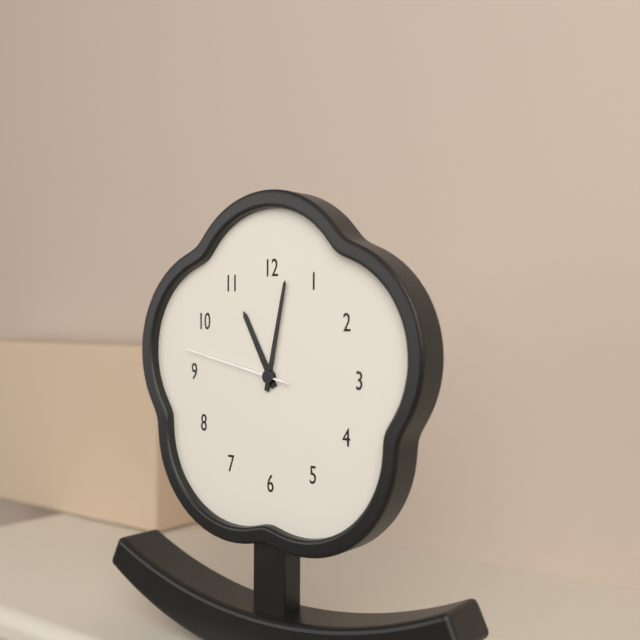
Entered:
11 h 02 min 47 s
